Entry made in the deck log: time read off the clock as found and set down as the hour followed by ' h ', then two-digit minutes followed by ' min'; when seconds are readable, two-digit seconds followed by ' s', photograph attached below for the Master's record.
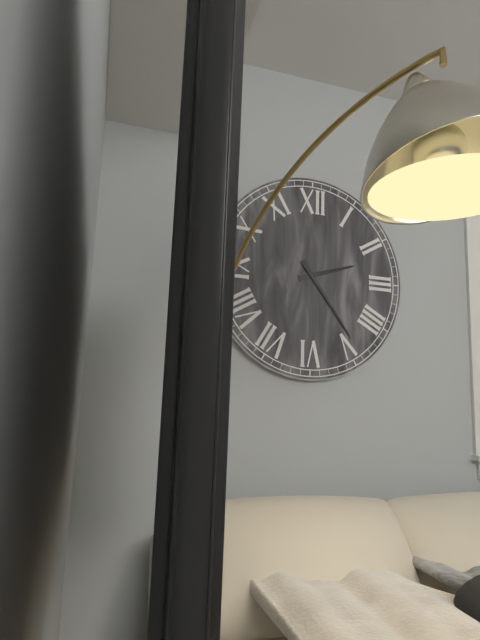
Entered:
2 h 24 min
